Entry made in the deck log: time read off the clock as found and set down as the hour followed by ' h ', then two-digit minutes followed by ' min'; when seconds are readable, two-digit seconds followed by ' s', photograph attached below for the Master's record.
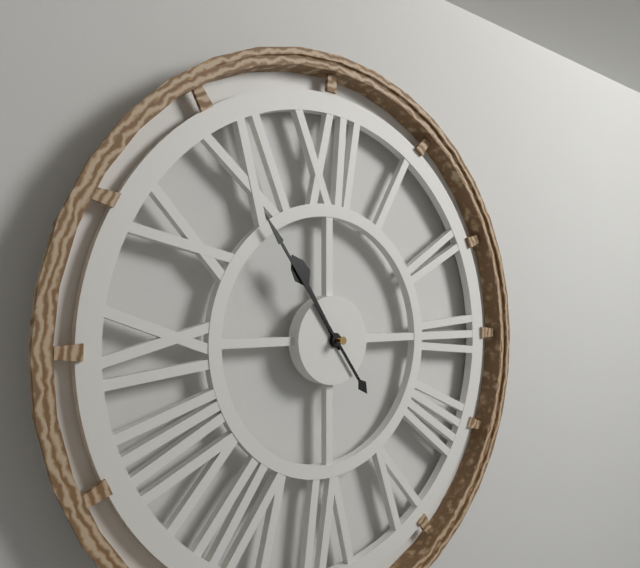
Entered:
10 h 54 min
